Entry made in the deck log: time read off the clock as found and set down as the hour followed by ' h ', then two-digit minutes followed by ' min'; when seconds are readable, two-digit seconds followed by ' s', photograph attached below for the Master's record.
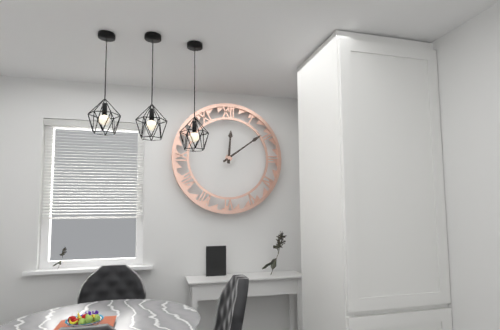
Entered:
12 h 09 min
